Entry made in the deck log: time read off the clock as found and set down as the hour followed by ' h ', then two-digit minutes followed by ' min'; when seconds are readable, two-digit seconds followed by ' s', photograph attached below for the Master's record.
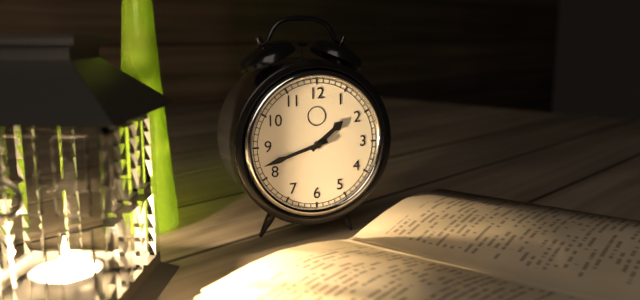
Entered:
1 h 42 min
